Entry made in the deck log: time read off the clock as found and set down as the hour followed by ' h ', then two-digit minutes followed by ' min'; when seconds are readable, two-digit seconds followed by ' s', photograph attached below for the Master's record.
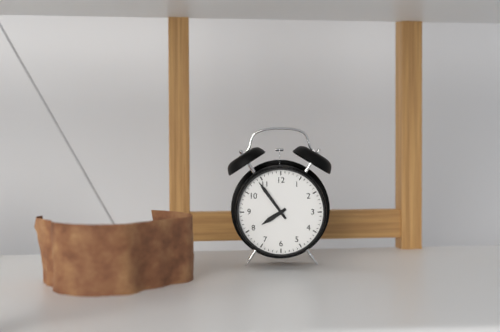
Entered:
7 h 54 min
